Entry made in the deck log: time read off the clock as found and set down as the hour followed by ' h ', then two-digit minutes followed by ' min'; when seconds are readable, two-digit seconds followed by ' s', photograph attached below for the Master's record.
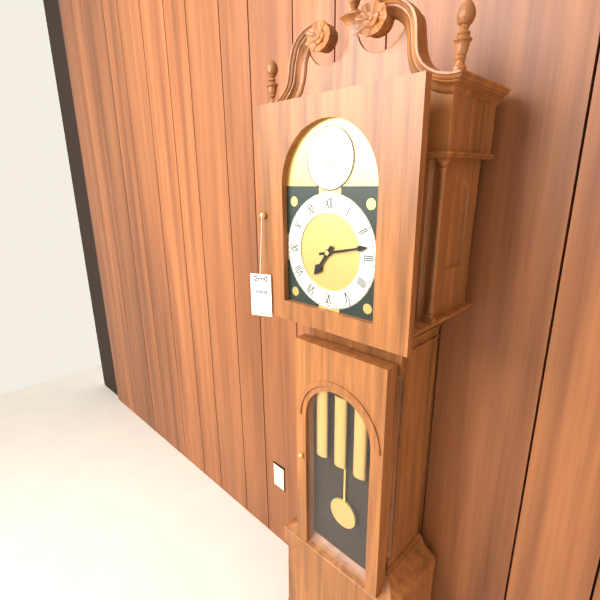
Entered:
7 h 13 min
